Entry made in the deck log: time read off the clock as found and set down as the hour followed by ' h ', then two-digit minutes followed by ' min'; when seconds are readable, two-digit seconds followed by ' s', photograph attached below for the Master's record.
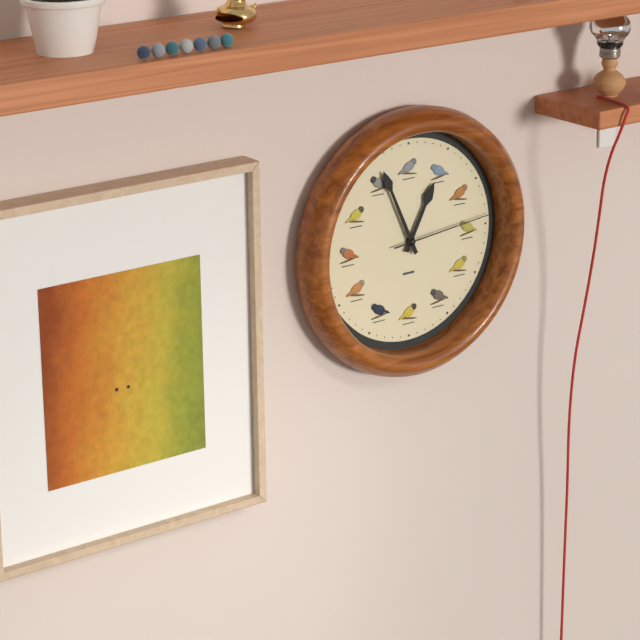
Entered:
12 h 56 min 14 s
